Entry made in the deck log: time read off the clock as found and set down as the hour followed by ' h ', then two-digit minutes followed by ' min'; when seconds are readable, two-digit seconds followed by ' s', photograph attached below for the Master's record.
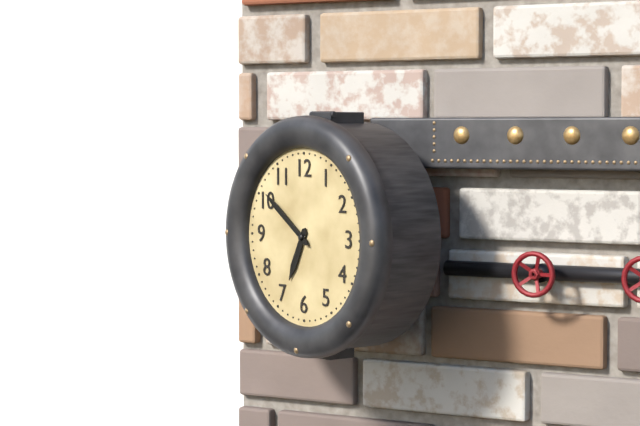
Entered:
6 h 51 min
